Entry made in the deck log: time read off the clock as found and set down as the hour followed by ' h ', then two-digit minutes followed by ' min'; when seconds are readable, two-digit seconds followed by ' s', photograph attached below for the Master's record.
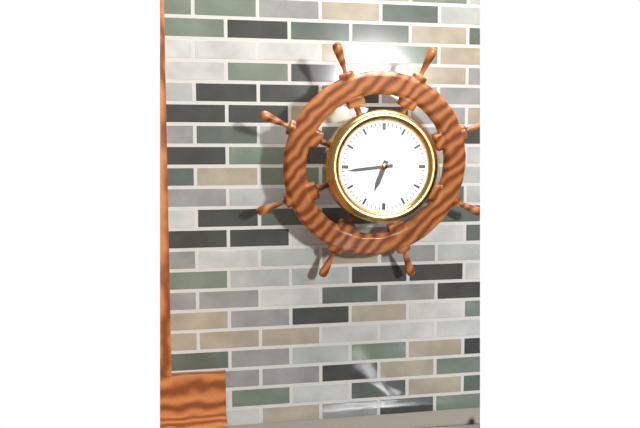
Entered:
6 h 44 min
